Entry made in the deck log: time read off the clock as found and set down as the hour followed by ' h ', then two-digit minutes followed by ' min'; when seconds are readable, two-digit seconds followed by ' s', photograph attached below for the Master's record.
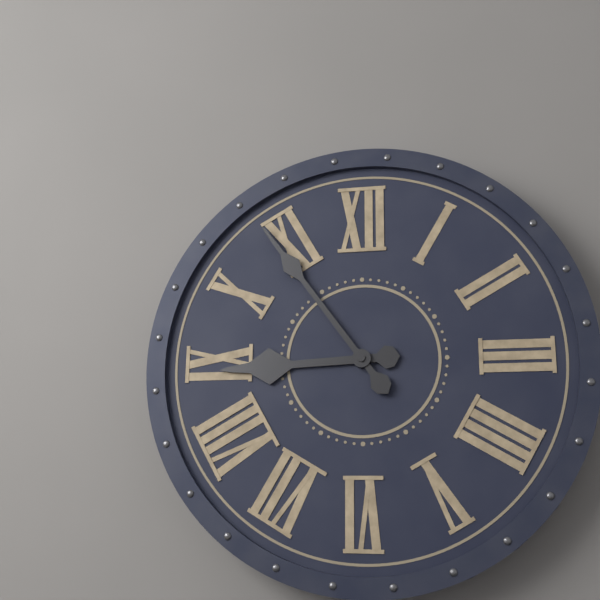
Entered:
8 h 54 min
